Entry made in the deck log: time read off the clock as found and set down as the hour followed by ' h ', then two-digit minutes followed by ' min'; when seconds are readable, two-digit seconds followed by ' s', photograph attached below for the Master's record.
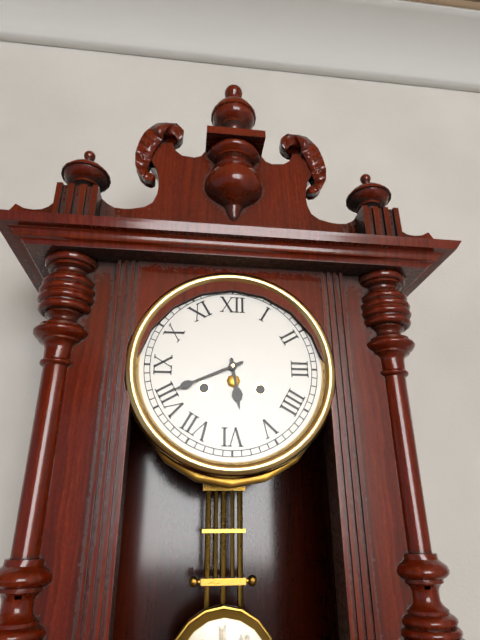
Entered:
5 h 41 min
